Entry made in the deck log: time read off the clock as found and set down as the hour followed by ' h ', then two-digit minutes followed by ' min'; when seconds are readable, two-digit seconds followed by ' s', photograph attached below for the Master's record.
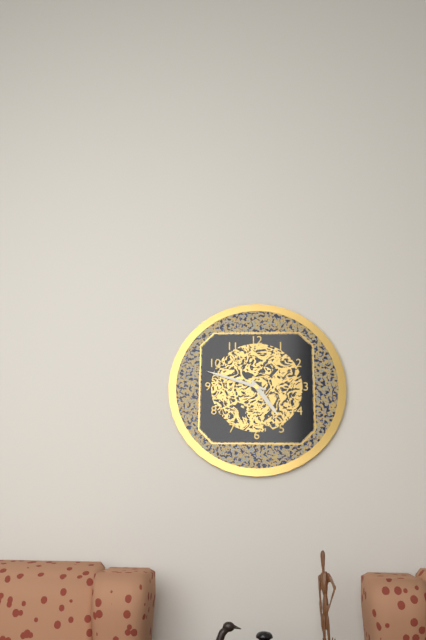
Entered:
4 h 48 min
